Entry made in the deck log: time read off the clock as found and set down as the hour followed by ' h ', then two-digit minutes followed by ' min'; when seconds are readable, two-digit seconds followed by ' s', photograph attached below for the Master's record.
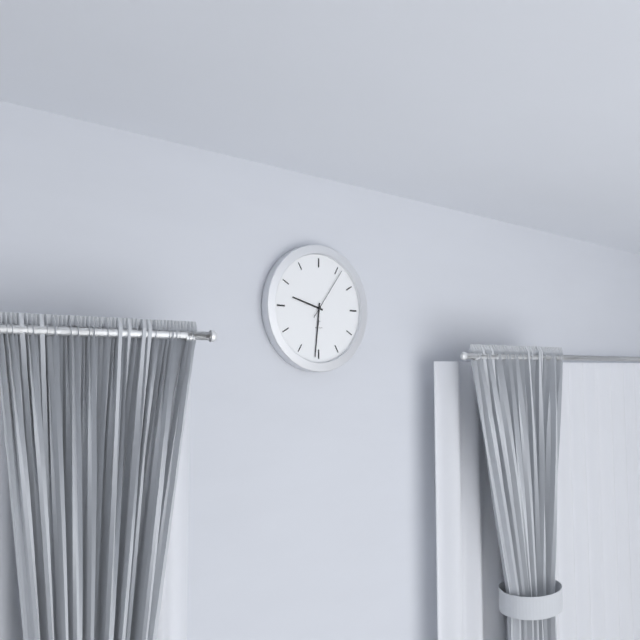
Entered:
9 h 31 min 06 s
